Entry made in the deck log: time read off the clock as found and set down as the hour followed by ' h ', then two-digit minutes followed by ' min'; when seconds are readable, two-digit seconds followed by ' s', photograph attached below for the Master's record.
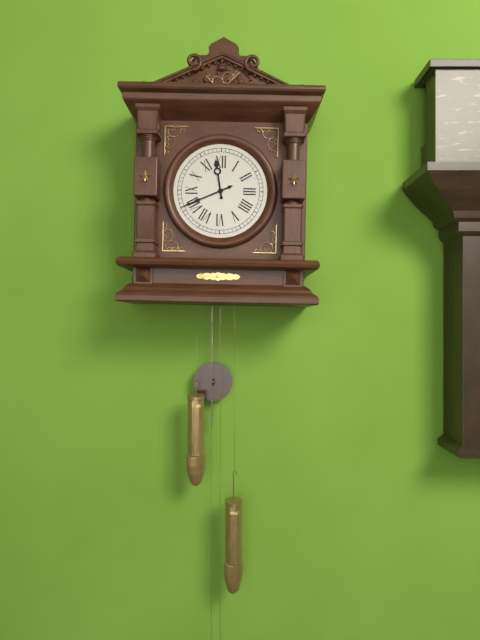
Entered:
11 h 41 min
